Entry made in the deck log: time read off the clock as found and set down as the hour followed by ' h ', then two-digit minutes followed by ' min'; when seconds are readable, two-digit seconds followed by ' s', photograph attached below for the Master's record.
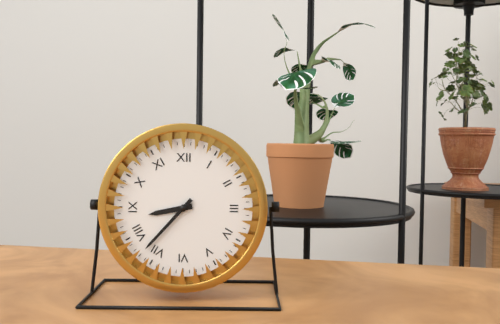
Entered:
8 h 37 min
